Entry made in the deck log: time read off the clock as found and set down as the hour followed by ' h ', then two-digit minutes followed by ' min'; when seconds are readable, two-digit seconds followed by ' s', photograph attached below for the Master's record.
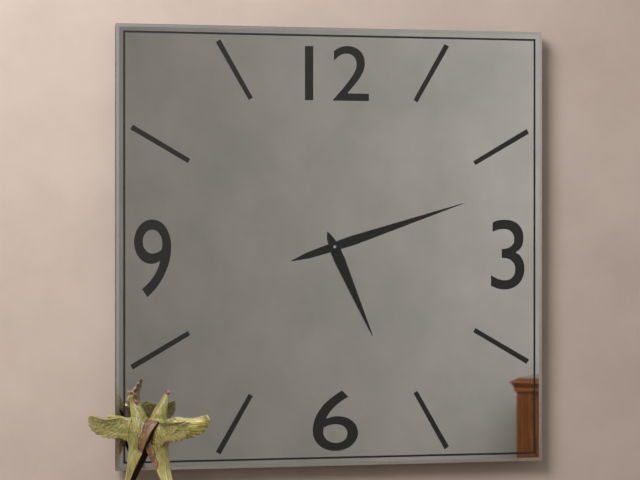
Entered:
5 h 12 min
